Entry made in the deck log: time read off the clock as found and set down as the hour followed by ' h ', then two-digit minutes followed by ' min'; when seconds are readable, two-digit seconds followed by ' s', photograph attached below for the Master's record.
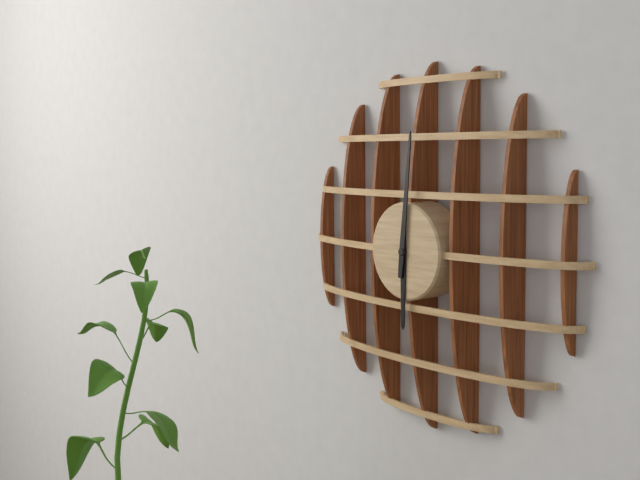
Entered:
6 h 01 min
